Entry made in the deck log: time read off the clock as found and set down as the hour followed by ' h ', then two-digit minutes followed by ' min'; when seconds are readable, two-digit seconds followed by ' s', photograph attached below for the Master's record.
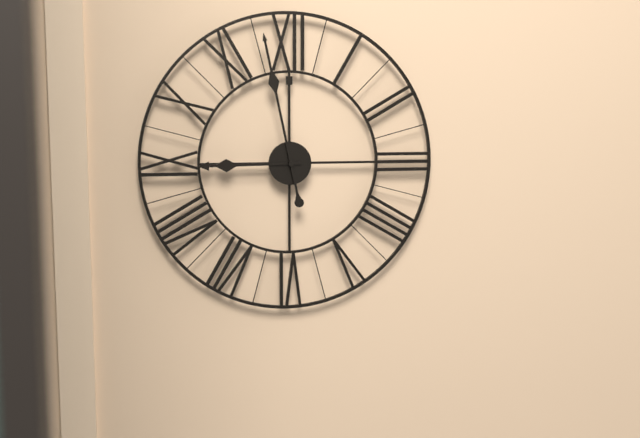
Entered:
8 h 58 min
